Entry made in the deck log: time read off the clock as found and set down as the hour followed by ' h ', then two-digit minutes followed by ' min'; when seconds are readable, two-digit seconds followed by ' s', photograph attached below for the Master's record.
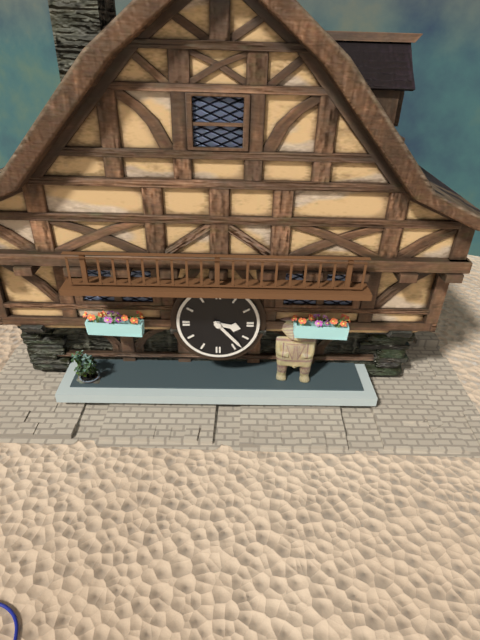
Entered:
3 h 23 min
